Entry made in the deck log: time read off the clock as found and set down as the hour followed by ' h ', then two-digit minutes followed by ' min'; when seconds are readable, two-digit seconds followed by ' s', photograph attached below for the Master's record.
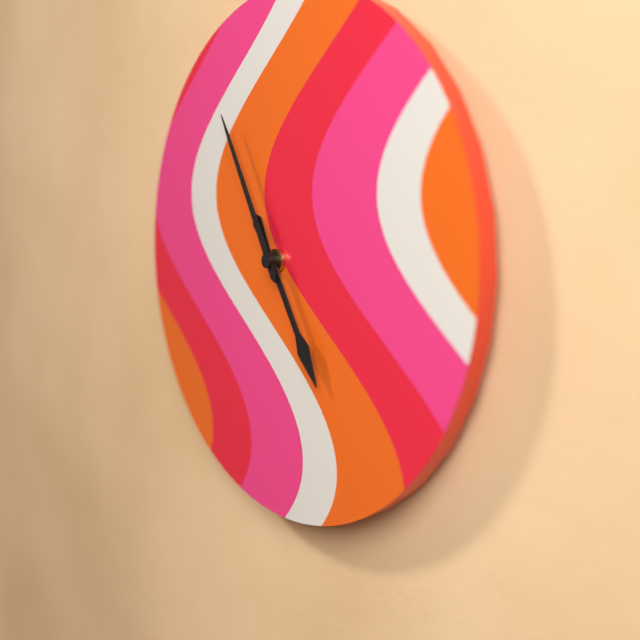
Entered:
4 h 55 min
